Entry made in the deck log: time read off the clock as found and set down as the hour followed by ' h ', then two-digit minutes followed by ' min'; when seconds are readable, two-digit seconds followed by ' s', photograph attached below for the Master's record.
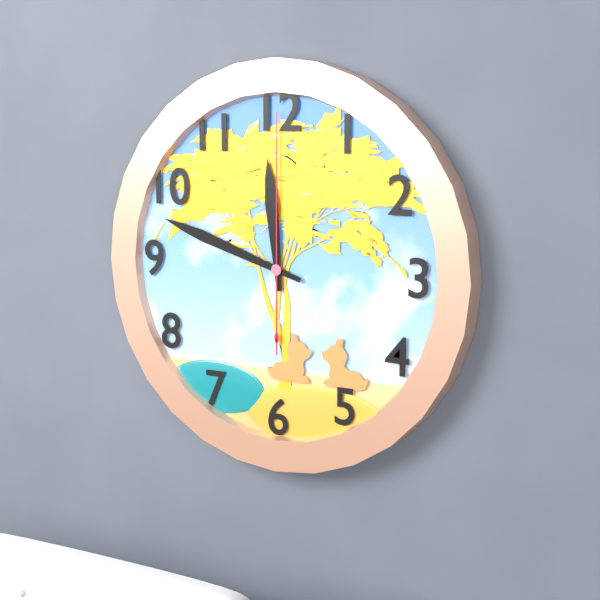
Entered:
11 h 48 min 00 s
